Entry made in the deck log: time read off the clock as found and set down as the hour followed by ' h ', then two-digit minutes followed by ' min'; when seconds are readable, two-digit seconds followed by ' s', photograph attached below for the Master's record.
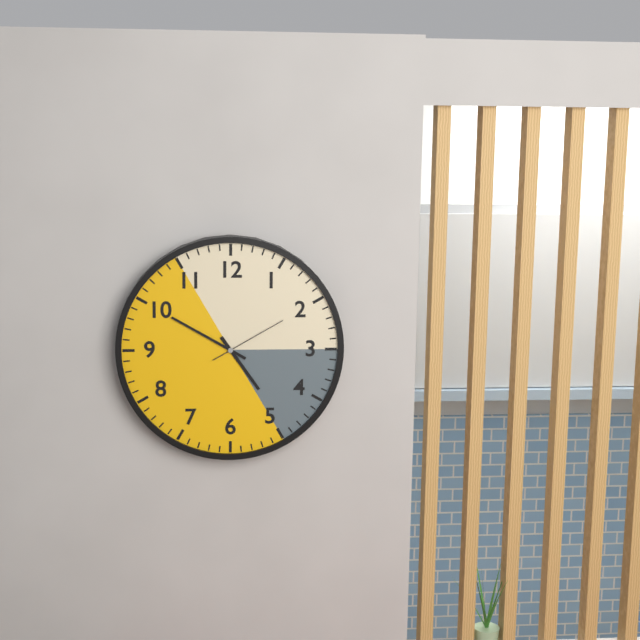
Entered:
4 h 50 min 10 s
